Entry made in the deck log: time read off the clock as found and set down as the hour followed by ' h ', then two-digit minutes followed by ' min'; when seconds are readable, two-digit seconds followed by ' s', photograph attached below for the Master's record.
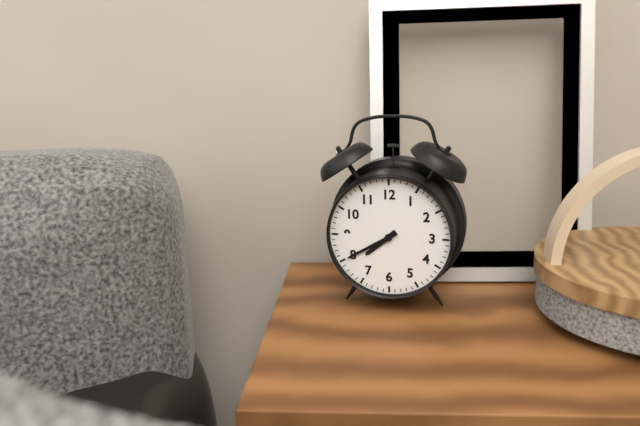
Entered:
7 h 40 min
